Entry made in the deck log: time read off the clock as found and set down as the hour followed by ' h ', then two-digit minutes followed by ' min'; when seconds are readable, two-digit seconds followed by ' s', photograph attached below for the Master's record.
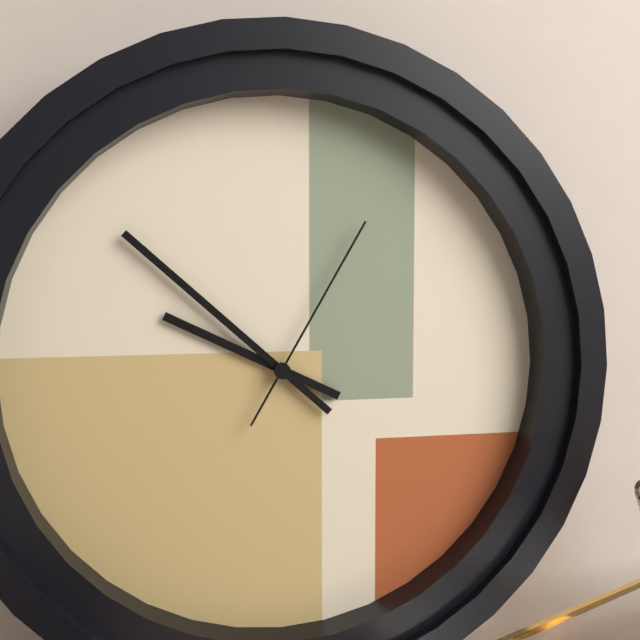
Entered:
9 h 52 min 05 s
